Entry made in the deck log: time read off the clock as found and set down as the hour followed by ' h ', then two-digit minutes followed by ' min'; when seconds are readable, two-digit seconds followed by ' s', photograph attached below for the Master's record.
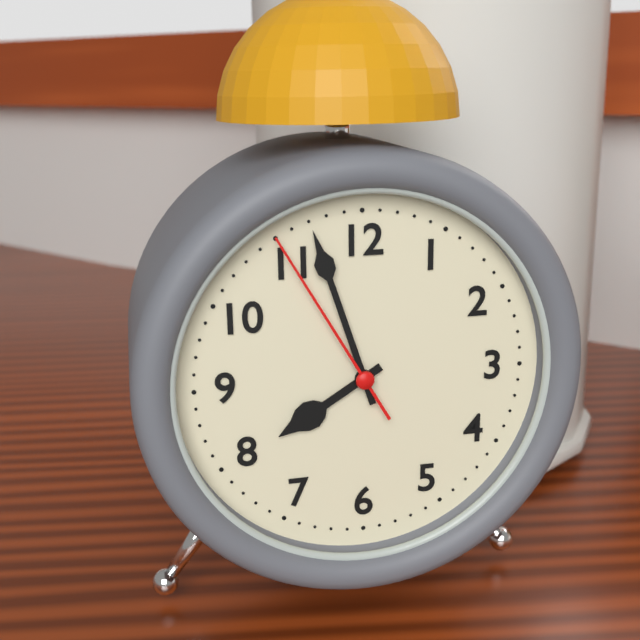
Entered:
7 h 57 min 55 s
